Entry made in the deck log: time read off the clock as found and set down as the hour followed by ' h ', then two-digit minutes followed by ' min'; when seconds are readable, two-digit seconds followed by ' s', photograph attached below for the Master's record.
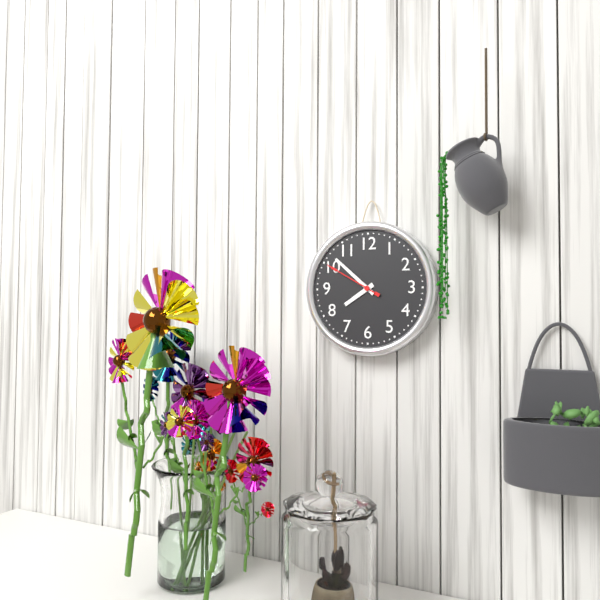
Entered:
7 h 52 min 50 s
